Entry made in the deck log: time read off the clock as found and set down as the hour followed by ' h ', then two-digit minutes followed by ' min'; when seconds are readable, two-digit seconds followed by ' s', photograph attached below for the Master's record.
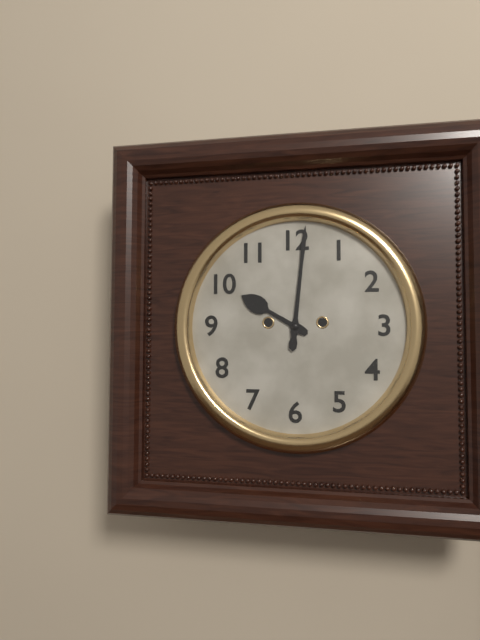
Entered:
10 h 01 min
